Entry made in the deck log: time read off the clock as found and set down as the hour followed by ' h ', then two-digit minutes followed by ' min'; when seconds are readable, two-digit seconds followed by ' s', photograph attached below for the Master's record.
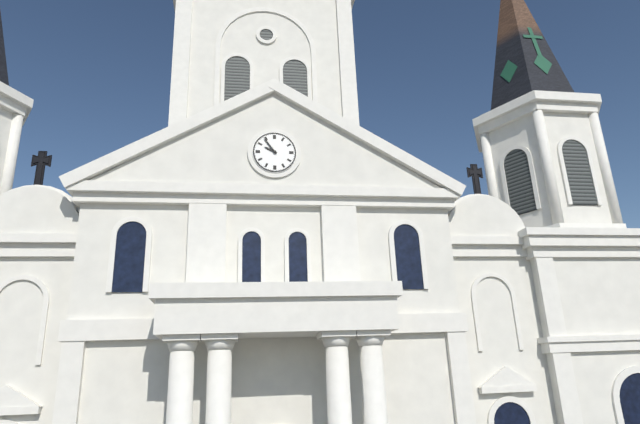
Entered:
9 h 54 min
